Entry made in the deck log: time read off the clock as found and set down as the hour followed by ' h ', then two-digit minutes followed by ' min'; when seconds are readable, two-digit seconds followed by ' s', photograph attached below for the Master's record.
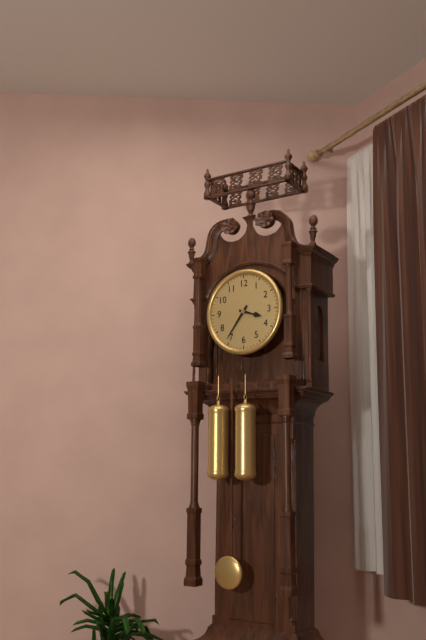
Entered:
3 h 36 min
